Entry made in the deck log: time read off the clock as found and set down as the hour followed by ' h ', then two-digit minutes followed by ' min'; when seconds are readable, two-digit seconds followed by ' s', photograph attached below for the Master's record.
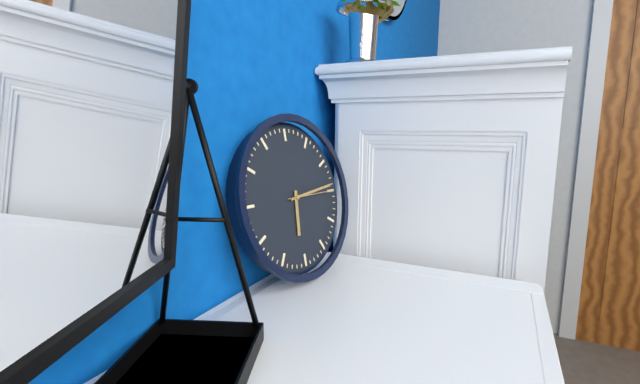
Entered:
6 h 14 min
